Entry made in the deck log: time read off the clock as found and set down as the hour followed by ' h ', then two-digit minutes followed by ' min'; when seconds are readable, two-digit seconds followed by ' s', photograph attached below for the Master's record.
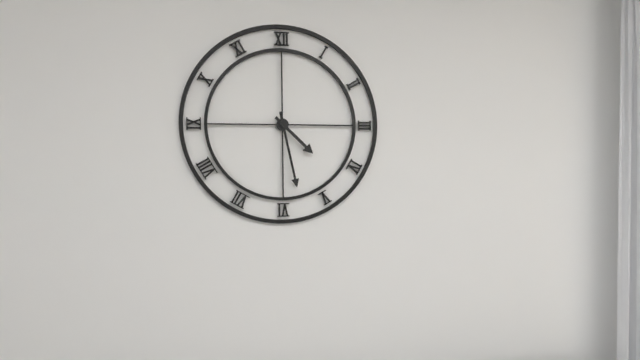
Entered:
4 h 28 min
